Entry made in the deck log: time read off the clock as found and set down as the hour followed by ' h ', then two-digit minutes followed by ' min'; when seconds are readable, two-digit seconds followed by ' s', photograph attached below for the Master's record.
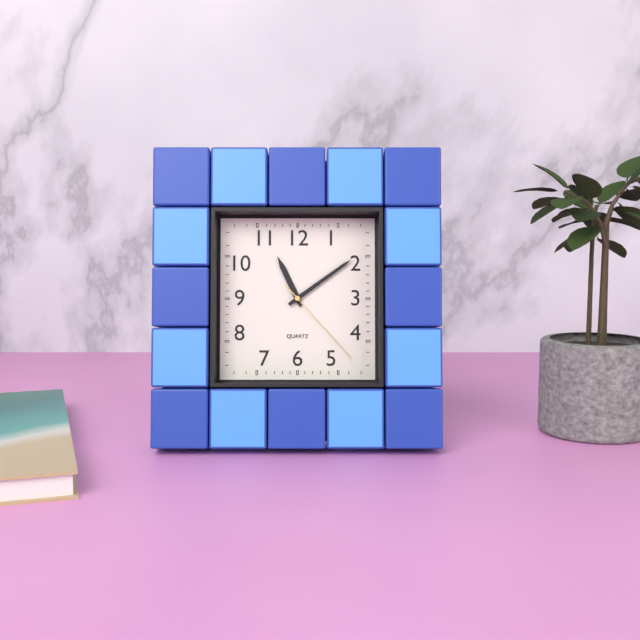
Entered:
11 h 09 min 23 s
